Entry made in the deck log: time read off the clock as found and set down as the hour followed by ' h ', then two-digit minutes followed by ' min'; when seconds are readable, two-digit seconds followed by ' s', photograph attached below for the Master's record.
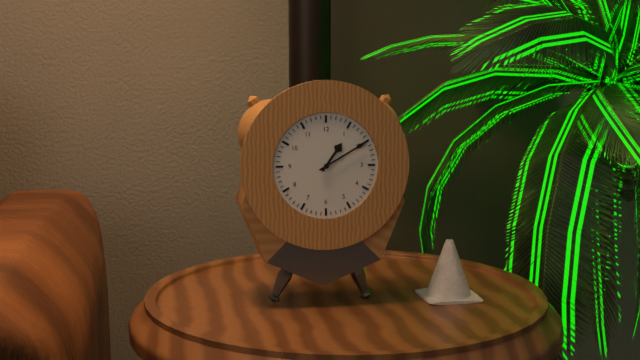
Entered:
1 h 10 min
